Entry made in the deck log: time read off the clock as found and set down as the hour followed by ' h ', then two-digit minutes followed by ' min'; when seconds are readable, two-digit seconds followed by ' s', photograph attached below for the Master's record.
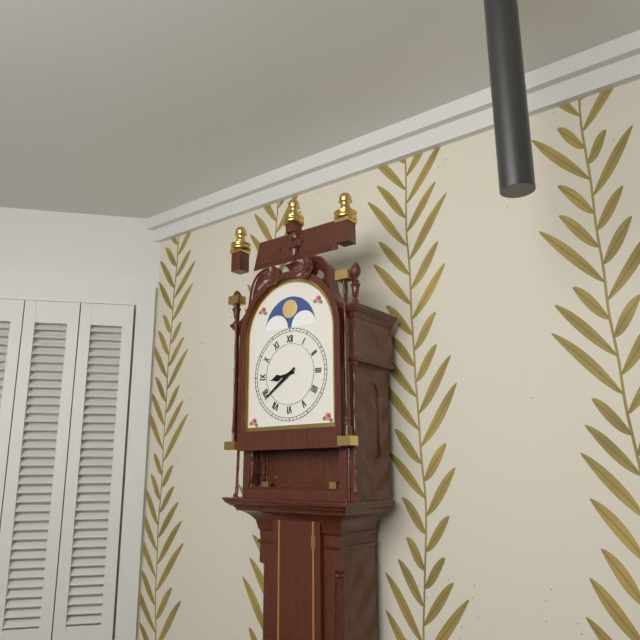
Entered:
8 h 39 min
